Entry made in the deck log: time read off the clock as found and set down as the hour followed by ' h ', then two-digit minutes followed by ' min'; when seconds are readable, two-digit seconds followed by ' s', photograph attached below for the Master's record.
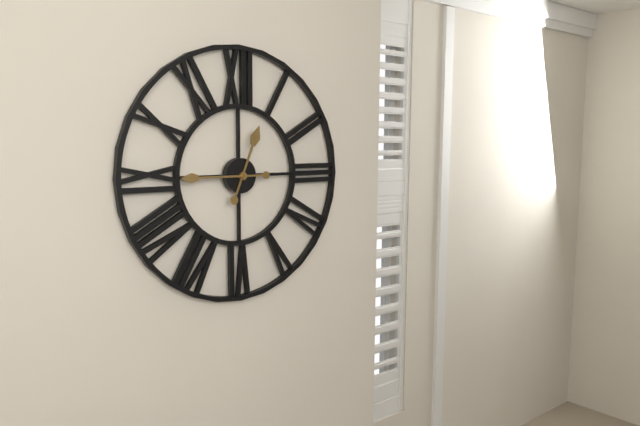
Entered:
12 h 45 min
